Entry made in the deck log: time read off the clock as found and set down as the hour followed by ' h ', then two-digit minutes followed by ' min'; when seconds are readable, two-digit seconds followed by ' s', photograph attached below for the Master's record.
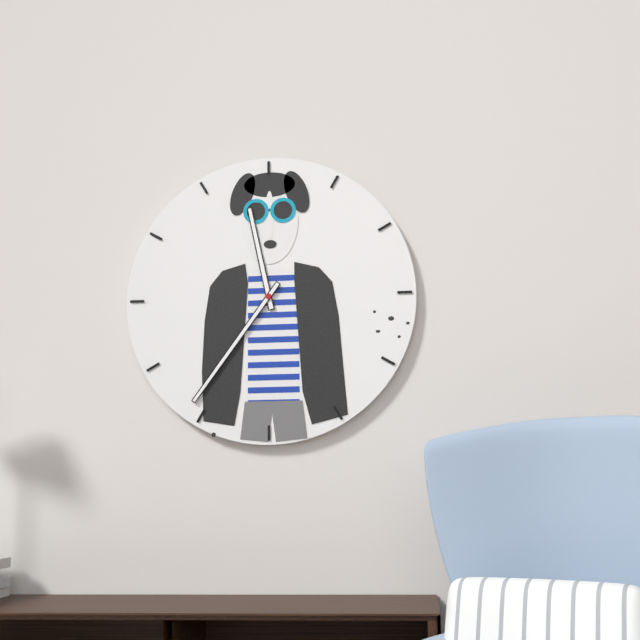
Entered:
11 h 36 min
